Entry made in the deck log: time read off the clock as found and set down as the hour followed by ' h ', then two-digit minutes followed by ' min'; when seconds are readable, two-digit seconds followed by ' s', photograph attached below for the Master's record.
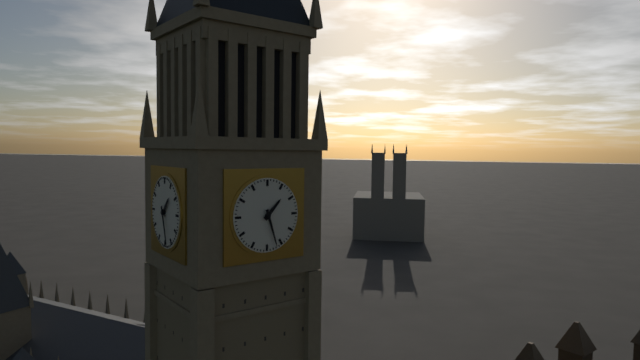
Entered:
1 h 27 min
